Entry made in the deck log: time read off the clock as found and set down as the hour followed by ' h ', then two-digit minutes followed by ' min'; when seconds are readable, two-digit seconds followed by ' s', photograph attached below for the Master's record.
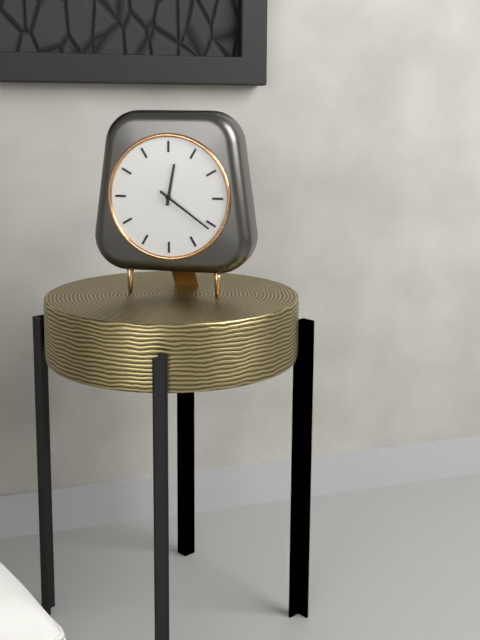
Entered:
12 h 21 min
